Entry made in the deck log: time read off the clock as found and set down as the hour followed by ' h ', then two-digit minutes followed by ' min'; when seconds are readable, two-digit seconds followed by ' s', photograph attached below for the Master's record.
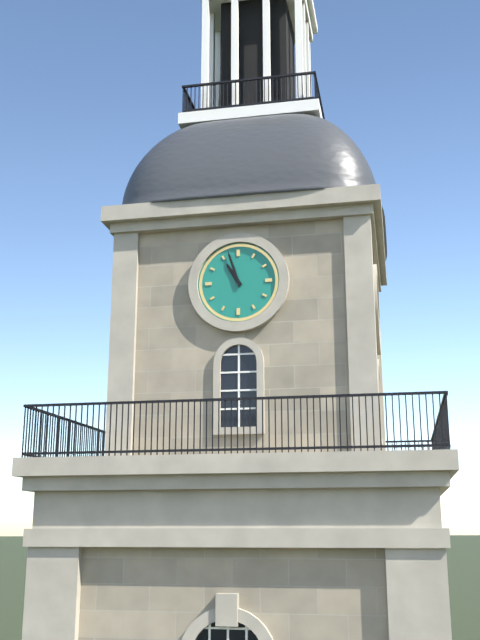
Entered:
10 h 57 min
